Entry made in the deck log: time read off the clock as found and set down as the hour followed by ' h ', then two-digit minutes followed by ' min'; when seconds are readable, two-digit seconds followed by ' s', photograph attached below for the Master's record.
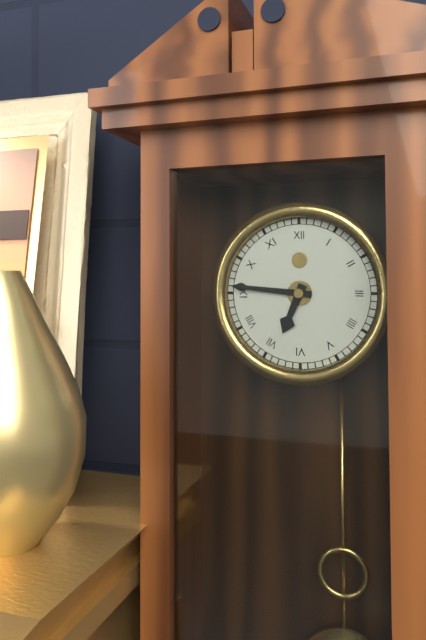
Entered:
6 h 46 min
